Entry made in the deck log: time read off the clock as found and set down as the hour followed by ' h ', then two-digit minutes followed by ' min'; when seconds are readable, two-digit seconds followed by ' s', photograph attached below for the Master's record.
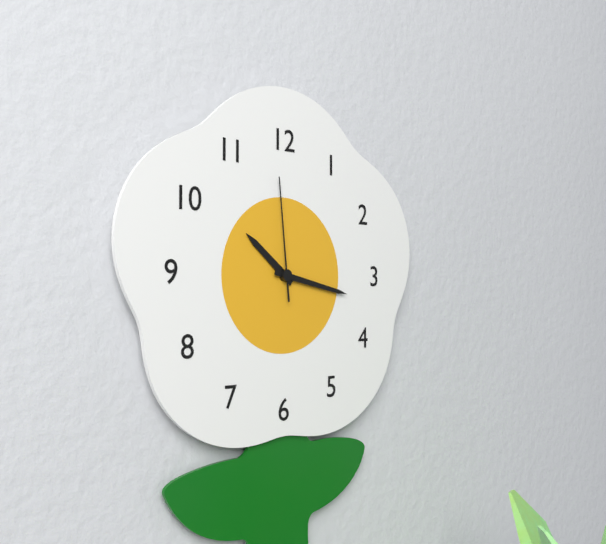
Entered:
10 h 17 min 59 s
